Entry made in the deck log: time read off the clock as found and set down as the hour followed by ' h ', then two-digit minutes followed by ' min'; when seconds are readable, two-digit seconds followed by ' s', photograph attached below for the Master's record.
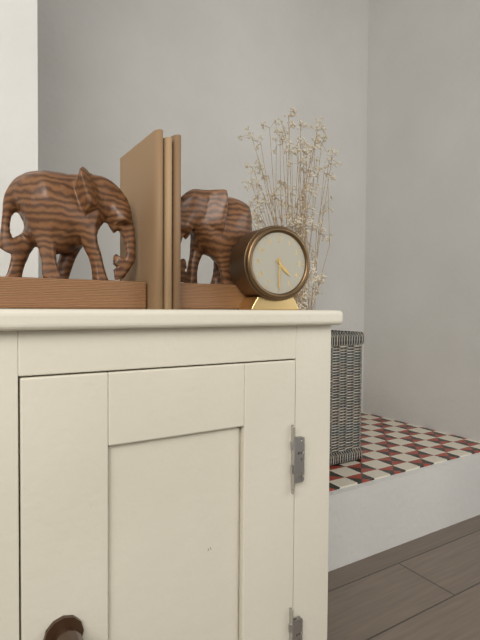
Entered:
4 h 30 min
